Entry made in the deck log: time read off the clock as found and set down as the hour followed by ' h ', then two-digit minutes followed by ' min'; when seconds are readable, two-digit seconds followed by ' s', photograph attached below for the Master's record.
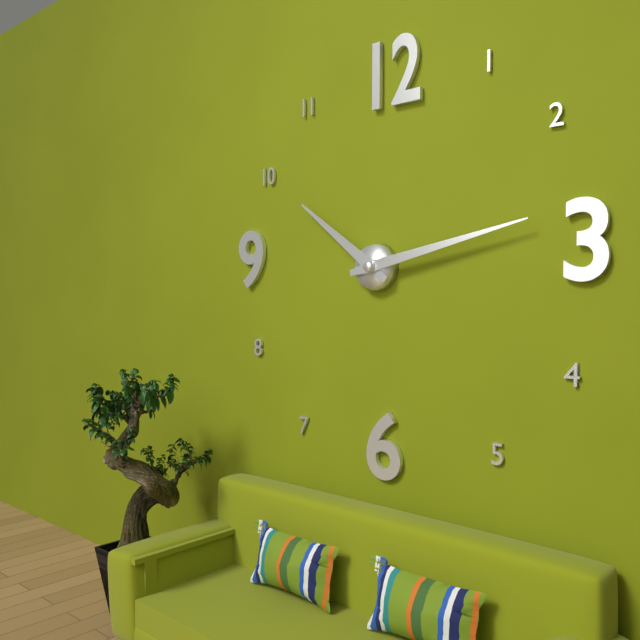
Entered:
10 h 13 min
